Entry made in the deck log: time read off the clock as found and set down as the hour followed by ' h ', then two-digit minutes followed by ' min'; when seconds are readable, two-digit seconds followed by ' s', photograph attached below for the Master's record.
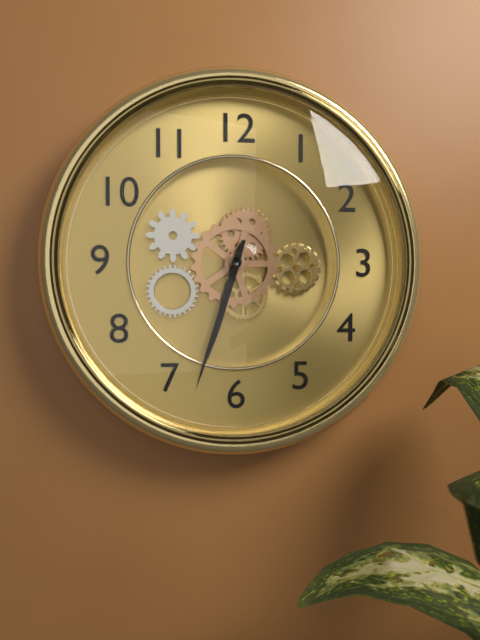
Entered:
6 h 33 min
